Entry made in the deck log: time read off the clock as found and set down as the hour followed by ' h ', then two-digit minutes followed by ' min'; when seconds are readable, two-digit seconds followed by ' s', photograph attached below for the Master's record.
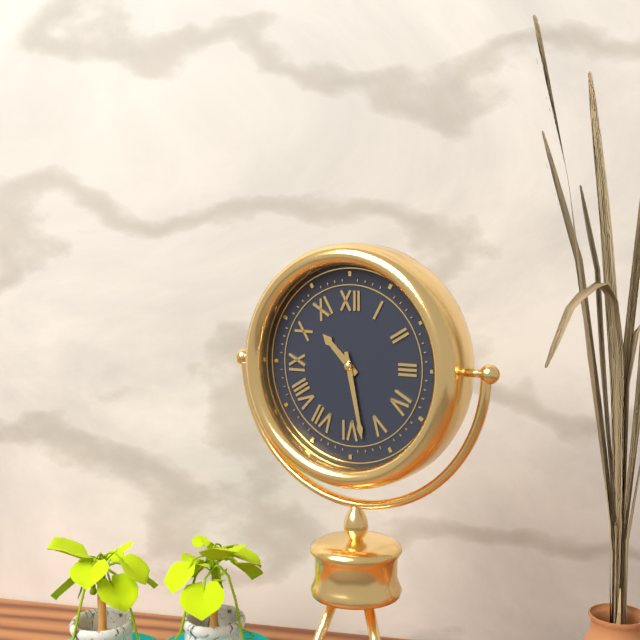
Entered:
10 h 28 min
